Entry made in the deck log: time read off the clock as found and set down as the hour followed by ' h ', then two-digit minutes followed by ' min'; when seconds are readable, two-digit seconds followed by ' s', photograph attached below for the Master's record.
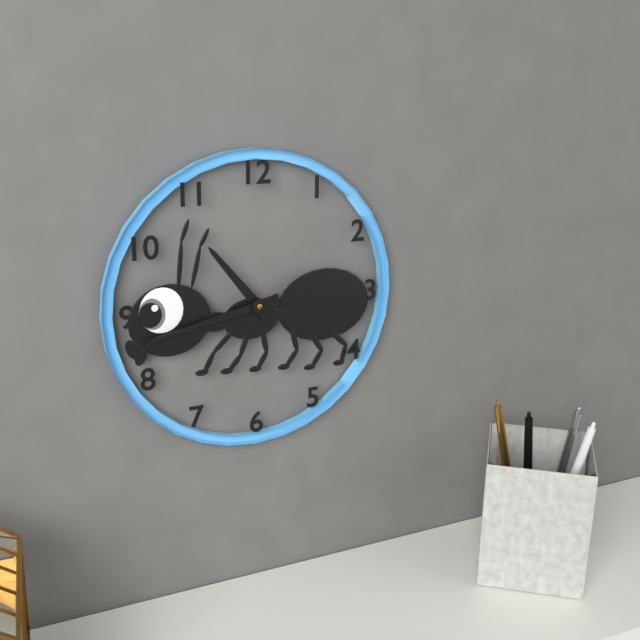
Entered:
10 h 43 min
